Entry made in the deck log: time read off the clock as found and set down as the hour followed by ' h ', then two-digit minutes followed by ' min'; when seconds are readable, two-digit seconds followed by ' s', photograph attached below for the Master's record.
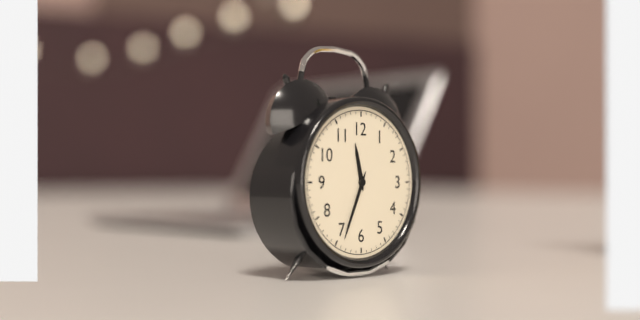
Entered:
11 h 34 min
